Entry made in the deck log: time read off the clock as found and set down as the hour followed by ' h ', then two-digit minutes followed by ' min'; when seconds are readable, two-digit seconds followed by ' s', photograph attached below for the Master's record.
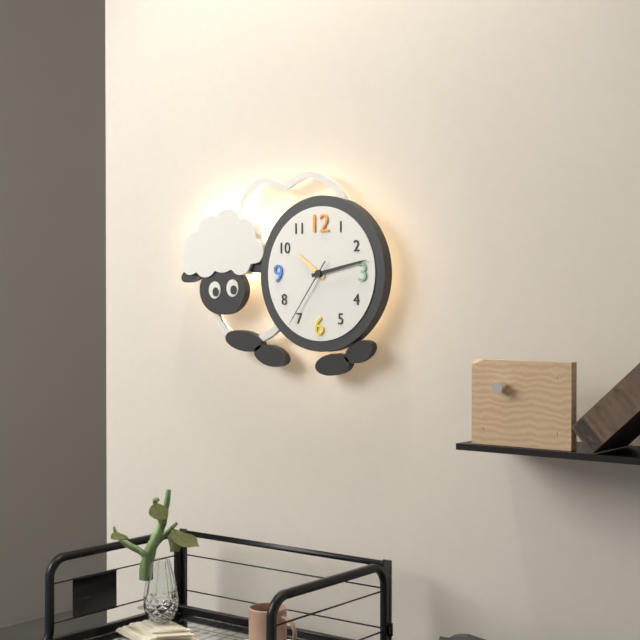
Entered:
10 h 13 min 36 s
